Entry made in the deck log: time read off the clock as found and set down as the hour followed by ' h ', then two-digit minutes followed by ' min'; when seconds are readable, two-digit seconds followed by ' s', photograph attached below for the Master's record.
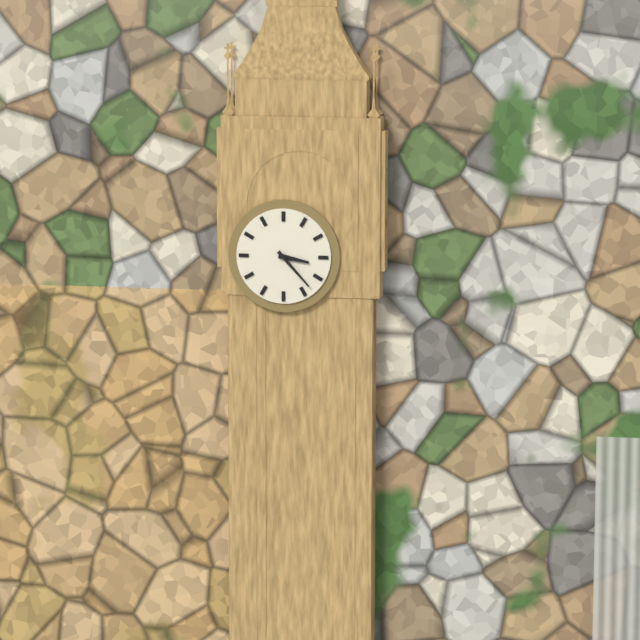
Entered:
3 h 23 min
